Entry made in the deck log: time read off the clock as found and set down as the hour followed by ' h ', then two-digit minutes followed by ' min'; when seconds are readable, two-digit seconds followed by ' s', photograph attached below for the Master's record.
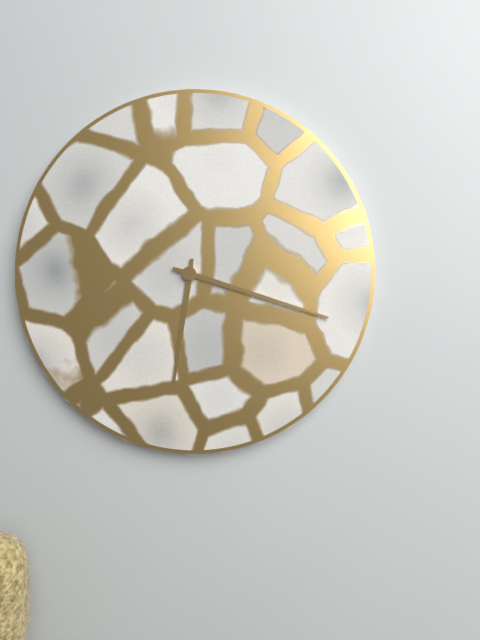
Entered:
6 h 18 min
